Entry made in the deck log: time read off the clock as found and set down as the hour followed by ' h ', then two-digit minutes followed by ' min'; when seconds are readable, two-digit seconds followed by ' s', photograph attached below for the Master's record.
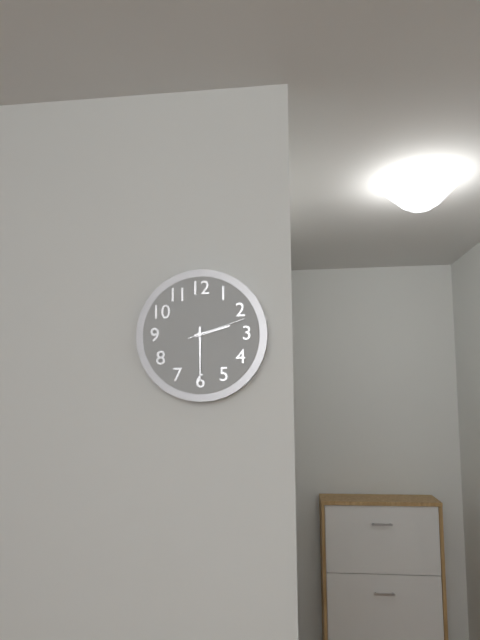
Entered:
2 h 30 min 12 s
